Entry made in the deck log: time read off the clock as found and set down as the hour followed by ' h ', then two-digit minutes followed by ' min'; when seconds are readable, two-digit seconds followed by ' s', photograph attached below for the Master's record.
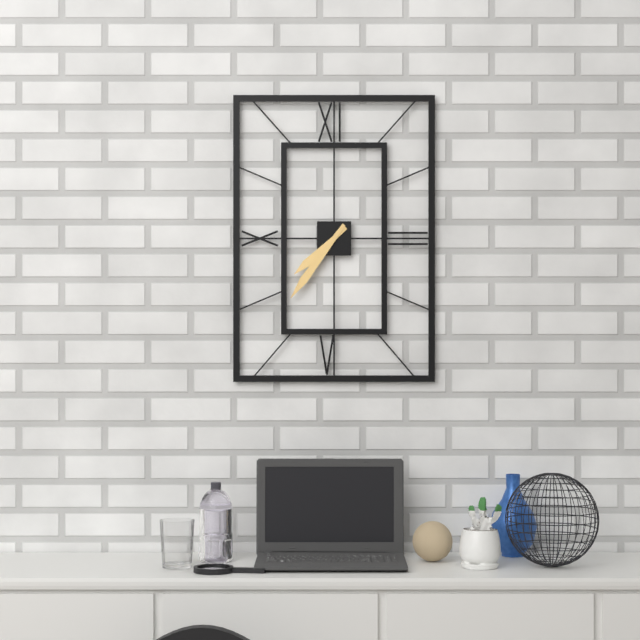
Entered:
7 h 36 min
